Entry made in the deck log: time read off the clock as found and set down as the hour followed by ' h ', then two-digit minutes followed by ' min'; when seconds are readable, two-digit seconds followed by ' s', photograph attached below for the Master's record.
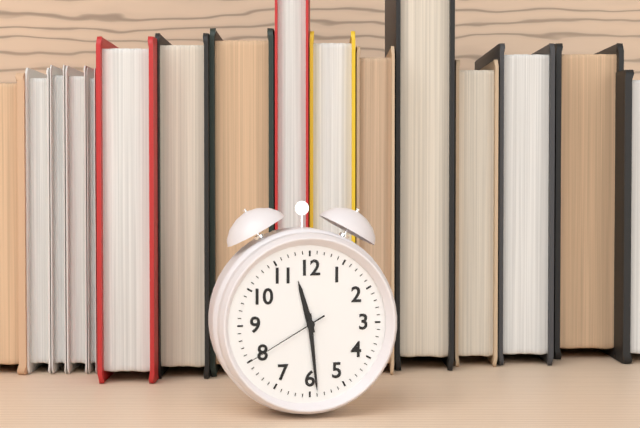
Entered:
11 h 29 min 40 s
